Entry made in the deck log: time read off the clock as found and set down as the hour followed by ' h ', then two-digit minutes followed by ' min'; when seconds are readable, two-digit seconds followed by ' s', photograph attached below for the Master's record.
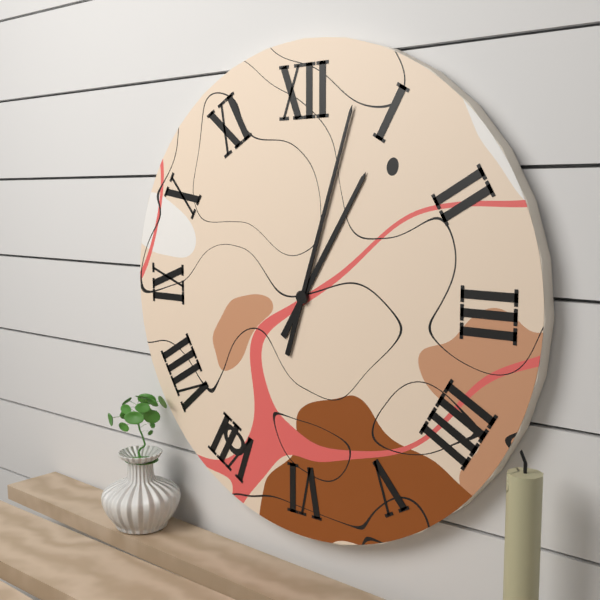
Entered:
1 h 03 min
